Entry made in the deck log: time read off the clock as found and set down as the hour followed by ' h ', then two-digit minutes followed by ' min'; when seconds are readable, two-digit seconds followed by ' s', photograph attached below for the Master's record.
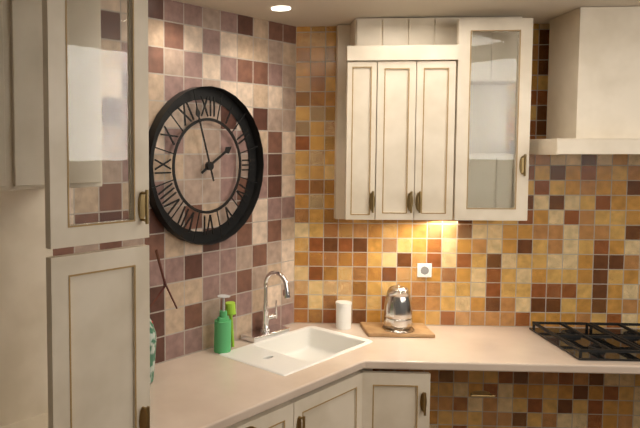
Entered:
1 h 57 min
